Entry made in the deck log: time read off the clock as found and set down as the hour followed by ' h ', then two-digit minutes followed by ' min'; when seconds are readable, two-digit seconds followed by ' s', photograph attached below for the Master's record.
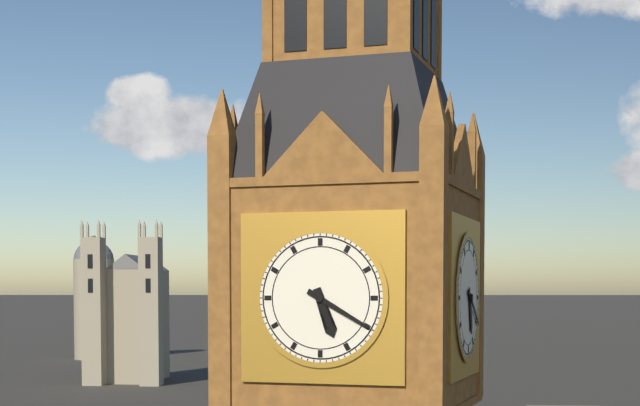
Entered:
5 h 20 min
